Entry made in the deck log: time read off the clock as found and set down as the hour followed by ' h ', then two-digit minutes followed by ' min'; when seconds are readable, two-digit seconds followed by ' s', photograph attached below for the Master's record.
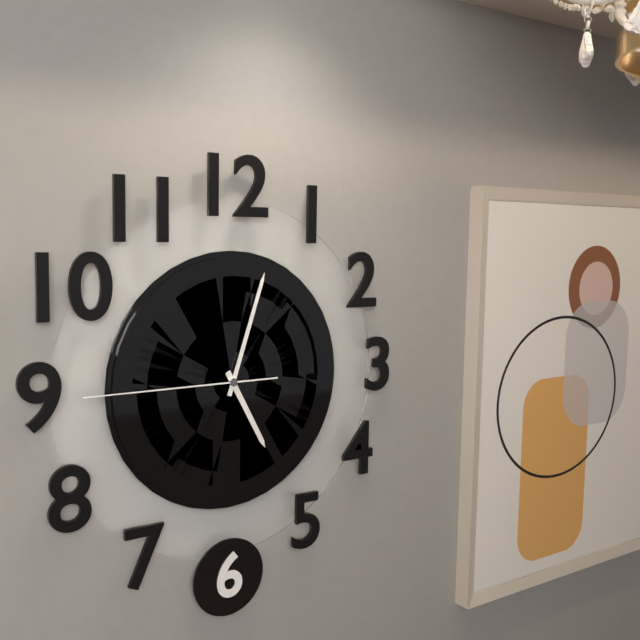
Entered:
5 h 03 min 45 s
